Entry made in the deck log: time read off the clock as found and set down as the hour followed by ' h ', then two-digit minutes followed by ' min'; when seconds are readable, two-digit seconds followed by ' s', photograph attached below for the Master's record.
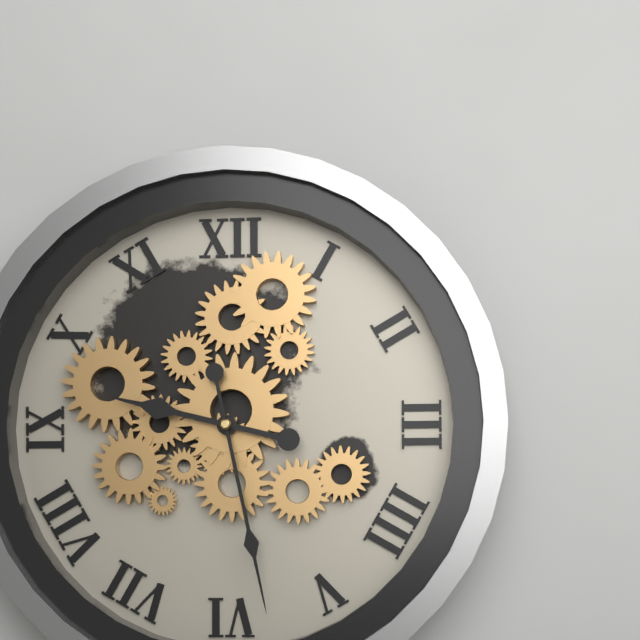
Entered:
9 h 28 min
